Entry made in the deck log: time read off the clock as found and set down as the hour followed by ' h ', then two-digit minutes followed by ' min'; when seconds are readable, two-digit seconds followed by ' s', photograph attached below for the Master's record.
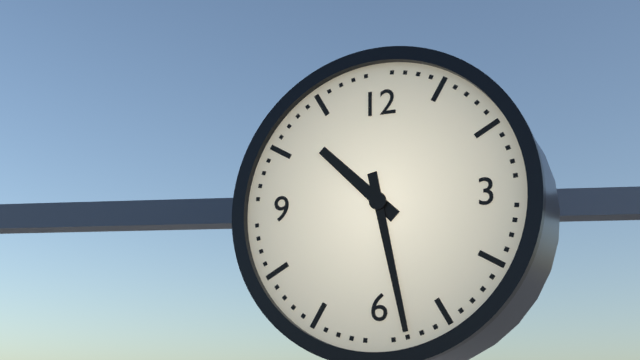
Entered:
10 h 28 min
